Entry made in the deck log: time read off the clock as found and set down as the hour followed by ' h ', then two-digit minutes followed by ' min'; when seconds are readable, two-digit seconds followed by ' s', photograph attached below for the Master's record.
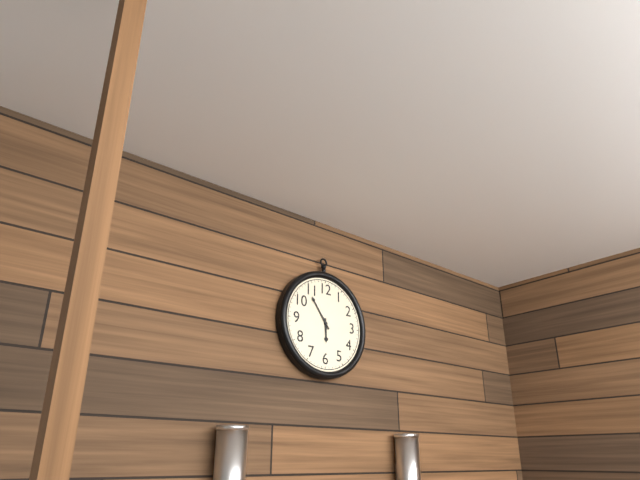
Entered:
5 h 54 min
